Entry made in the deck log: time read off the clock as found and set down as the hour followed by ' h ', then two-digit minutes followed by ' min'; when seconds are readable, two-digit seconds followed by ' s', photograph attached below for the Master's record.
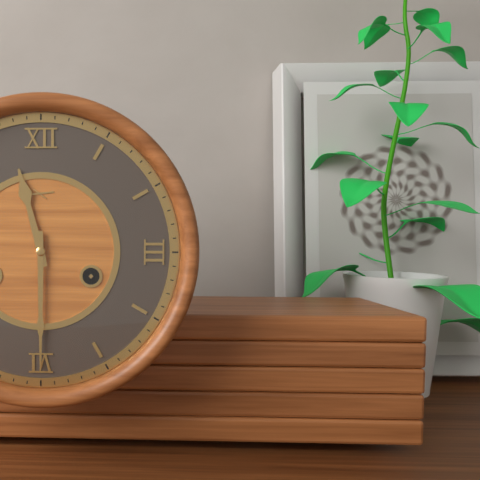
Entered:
11 h 30 min
